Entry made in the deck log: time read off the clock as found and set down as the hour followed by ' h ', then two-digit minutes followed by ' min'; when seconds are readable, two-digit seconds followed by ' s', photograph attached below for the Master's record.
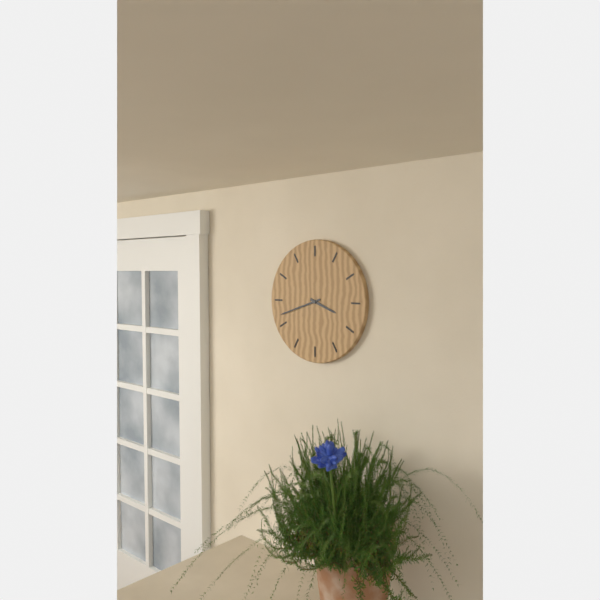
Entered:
3 h 42 min
